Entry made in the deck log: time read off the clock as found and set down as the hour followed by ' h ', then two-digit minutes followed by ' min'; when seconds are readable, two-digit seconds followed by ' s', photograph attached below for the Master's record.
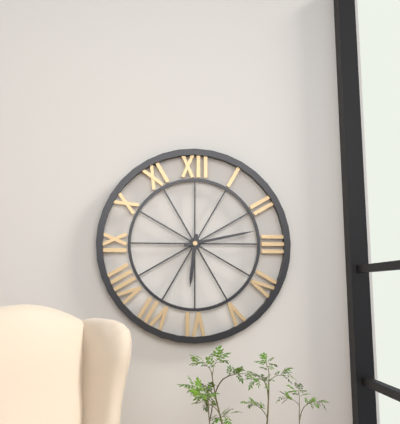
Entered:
6 h 13 min
